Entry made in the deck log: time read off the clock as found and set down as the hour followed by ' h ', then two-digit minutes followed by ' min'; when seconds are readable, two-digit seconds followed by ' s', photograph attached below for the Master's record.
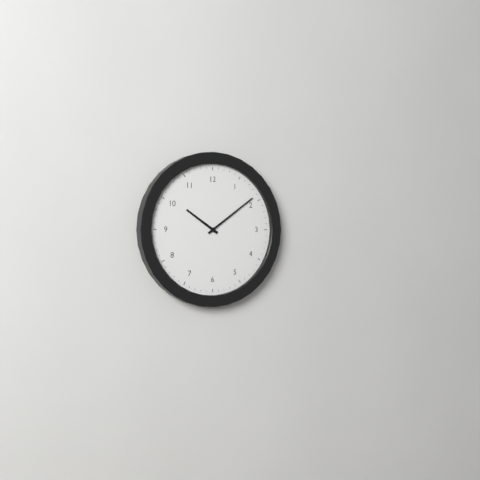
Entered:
10 h 09 min
